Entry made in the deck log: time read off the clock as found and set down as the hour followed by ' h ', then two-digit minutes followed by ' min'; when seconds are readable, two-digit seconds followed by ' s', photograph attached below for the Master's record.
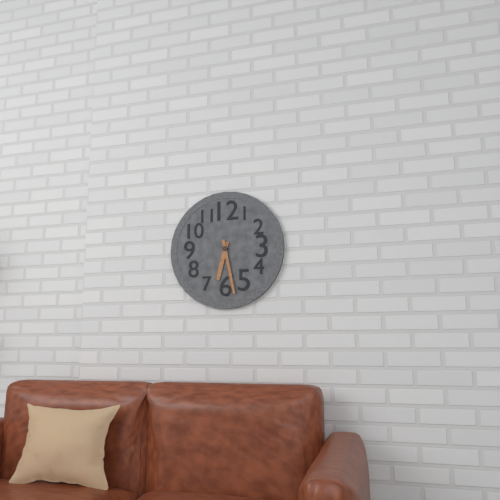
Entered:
6 h 28 min
